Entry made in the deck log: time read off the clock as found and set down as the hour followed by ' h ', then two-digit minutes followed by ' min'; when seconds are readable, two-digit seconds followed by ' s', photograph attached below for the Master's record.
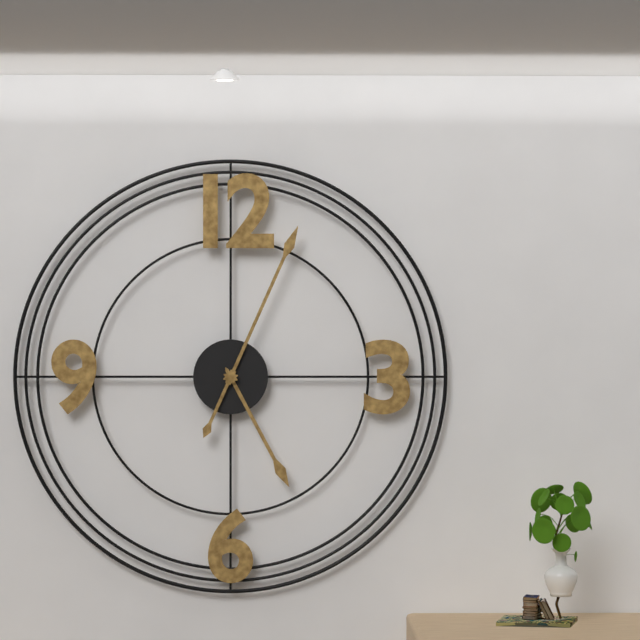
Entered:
5 h 04 min
